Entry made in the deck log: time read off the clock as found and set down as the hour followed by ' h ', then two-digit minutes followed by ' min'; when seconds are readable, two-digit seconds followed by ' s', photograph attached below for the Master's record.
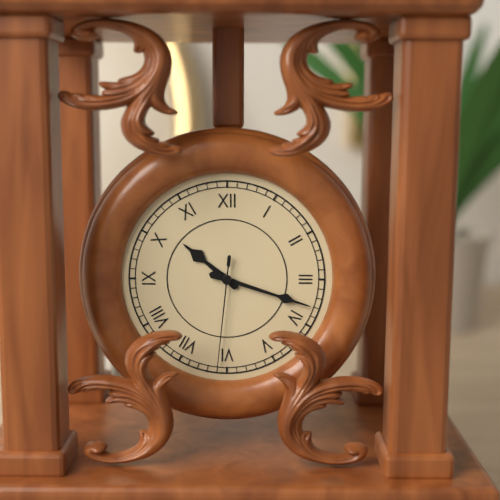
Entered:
10 h 18 min 31 s
